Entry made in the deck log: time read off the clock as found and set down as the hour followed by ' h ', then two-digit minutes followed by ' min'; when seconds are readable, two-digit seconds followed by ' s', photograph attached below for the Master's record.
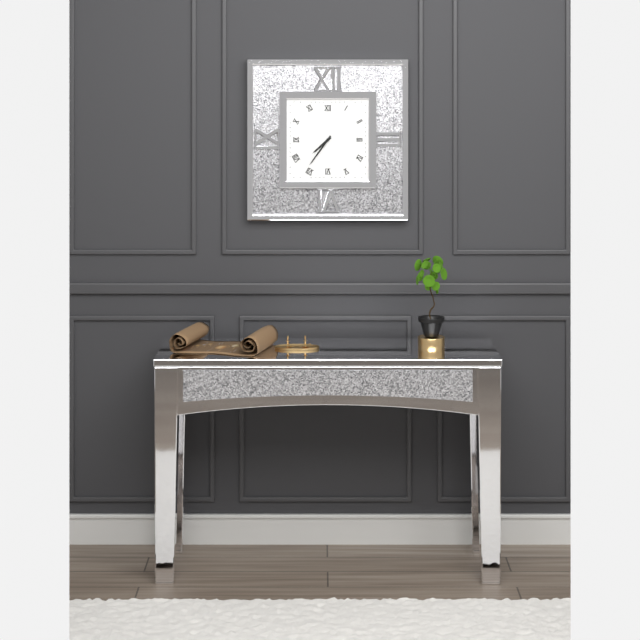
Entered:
7 h 36 min
